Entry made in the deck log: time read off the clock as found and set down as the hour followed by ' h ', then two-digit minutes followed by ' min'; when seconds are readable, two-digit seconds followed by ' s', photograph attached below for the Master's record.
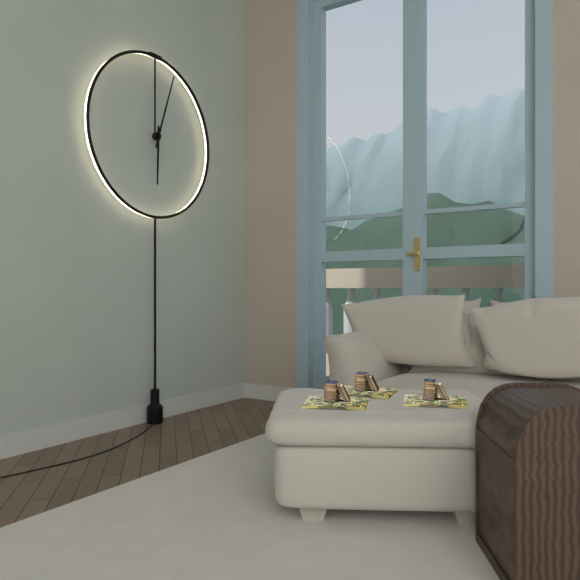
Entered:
6 h 03 min
